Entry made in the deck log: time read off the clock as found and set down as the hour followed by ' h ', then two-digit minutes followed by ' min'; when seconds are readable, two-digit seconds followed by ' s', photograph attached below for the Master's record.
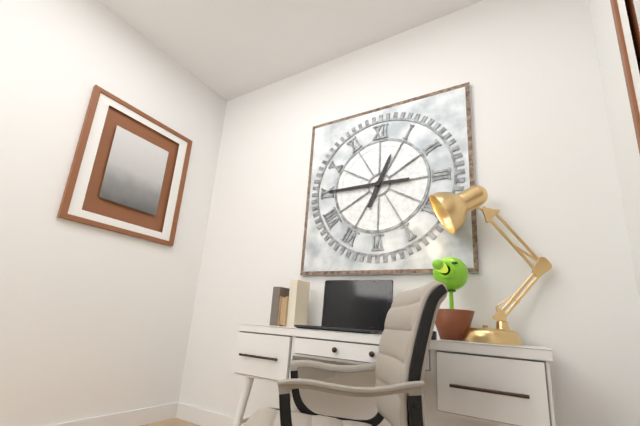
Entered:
12 h 45 min
